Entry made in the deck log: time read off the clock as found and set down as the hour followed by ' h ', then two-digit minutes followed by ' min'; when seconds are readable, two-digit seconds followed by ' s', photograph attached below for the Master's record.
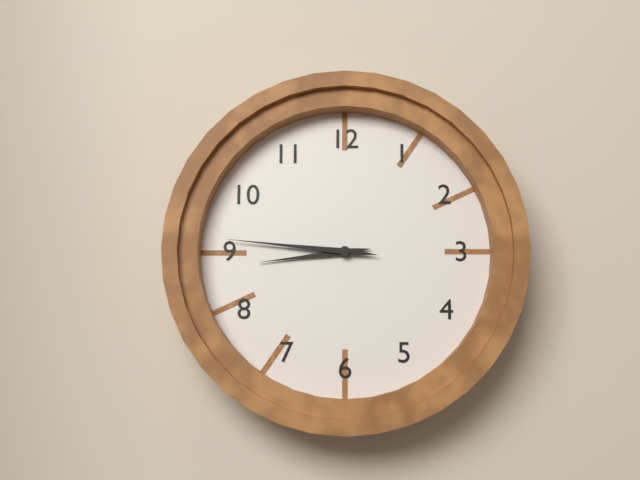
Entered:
8 h 46 min
